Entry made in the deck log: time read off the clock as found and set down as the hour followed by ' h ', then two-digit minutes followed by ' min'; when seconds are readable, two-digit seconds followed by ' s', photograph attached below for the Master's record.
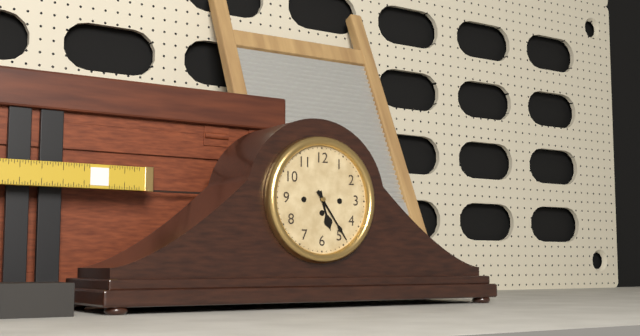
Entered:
5 h 24 min
